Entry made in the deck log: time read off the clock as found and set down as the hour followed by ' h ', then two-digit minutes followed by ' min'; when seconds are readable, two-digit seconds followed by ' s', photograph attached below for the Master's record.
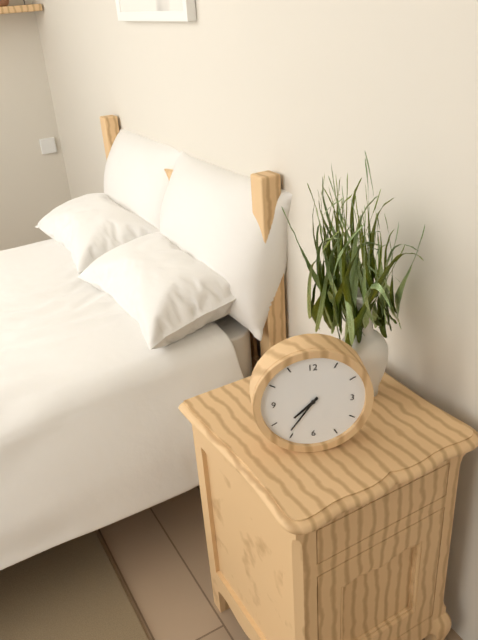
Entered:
7 h 36 min
